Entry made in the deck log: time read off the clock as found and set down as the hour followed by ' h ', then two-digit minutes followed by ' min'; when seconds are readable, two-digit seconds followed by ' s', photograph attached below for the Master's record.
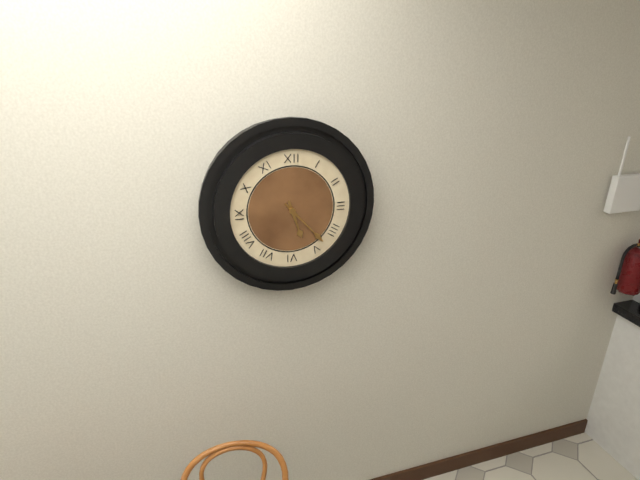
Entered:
5 h 23 min
